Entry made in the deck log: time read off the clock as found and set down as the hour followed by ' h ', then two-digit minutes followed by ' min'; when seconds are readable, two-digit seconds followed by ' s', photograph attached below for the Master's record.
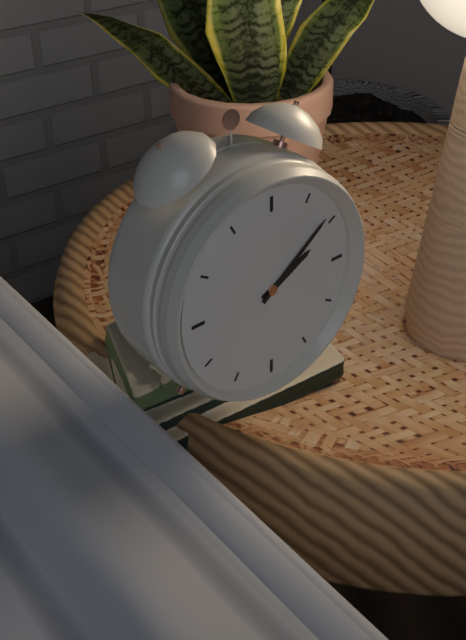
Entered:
2 h 09 min
